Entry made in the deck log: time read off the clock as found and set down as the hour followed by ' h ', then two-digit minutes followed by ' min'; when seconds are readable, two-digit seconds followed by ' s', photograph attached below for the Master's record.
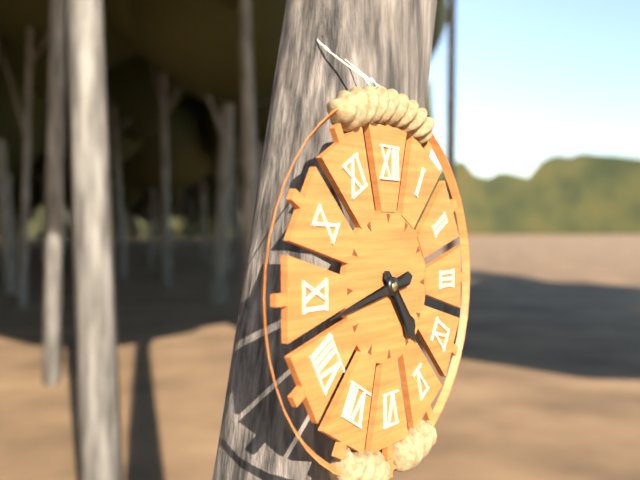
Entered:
4 h 43 min
